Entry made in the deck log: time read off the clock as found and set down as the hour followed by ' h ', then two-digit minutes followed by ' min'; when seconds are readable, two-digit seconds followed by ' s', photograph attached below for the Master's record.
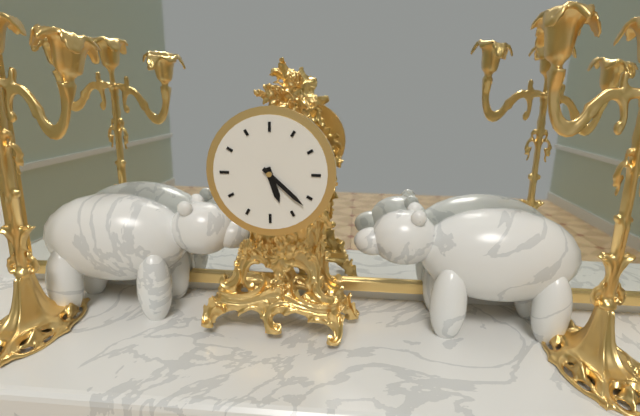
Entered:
5 h 22 min
